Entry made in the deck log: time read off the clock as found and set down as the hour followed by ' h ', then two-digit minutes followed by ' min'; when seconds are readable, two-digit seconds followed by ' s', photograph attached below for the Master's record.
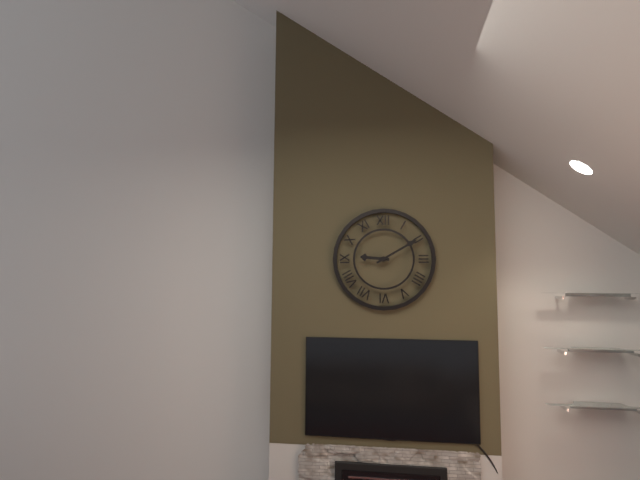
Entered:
9 h 10 min
